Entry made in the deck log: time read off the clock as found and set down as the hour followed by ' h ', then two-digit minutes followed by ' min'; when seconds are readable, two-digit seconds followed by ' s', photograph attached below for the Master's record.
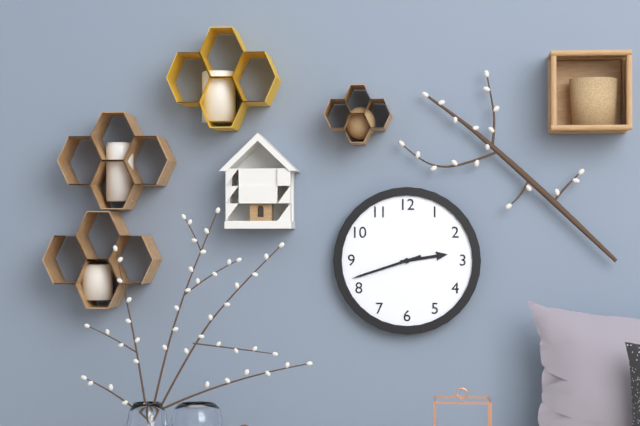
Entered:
2 h 42 min
